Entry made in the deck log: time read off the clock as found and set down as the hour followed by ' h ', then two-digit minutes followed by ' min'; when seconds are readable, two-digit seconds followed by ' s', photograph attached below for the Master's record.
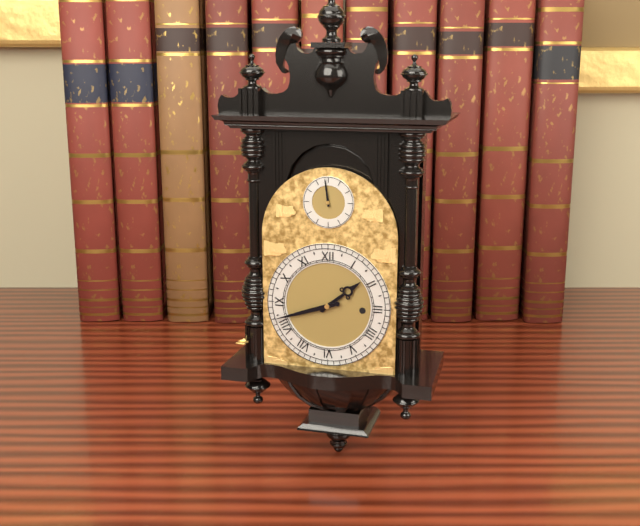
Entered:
1 h 42 min
